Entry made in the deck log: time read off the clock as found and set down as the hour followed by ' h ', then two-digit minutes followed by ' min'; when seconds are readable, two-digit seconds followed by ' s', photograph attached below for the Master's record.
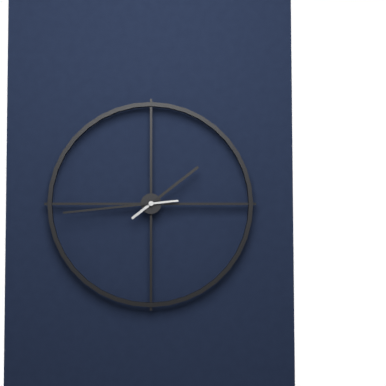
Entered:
1 h 44 min
